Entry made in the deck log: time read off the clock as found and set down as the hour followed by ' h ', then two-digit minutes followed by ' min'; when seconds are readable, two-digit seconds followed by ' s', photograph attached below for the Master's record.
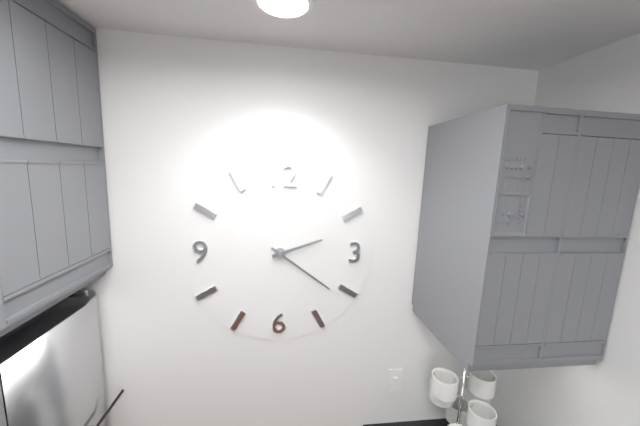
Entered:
2 h 21 min
